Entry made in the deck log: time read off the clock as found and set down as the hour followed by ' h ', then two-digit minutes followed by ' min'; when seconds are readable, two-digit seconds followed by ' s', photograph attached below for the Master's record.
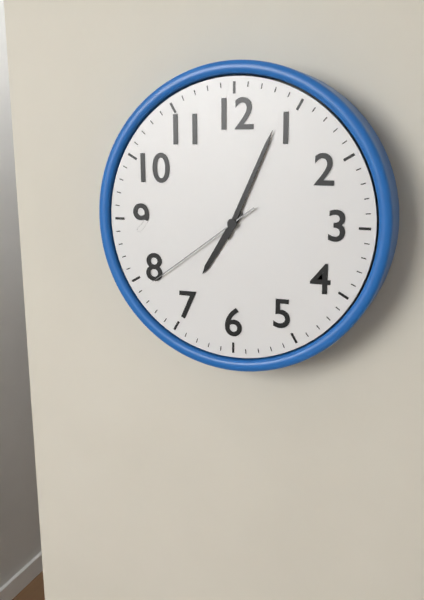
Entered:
7 h 04 min 39 s
